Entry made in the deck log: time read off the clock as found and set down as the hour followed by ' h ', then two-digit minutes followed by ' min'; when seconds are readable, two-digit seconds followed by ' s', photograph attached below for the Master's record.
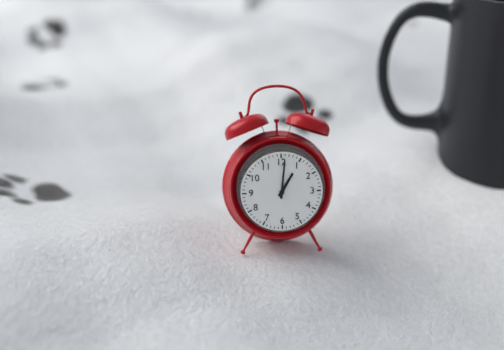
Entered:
1 h 01 min
